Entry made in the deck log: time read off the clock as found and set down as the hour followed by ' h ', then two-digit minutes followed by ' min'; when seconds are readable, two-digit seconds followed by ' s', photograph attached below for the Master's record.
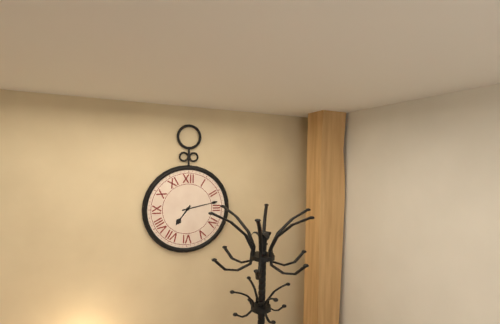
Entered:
7 h 13 min
